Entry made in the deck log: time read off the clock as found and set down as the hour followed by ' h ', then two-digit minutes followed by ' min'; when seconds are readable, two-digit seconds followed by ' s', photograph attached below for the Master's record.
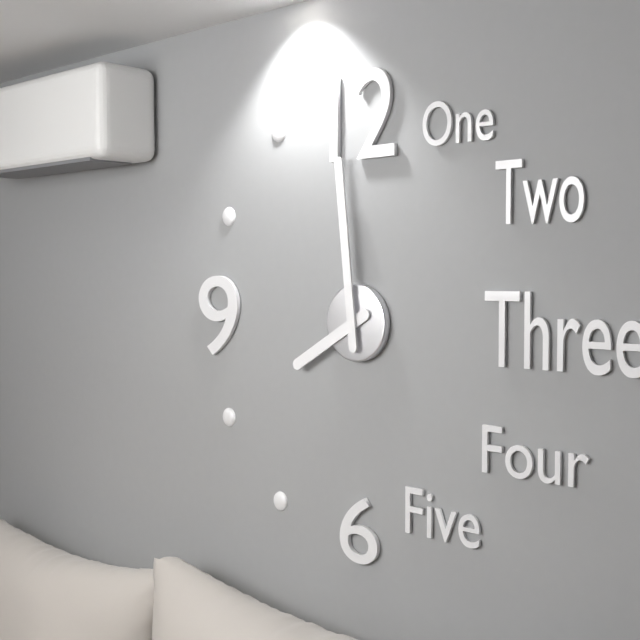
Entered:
7 h 59 min
